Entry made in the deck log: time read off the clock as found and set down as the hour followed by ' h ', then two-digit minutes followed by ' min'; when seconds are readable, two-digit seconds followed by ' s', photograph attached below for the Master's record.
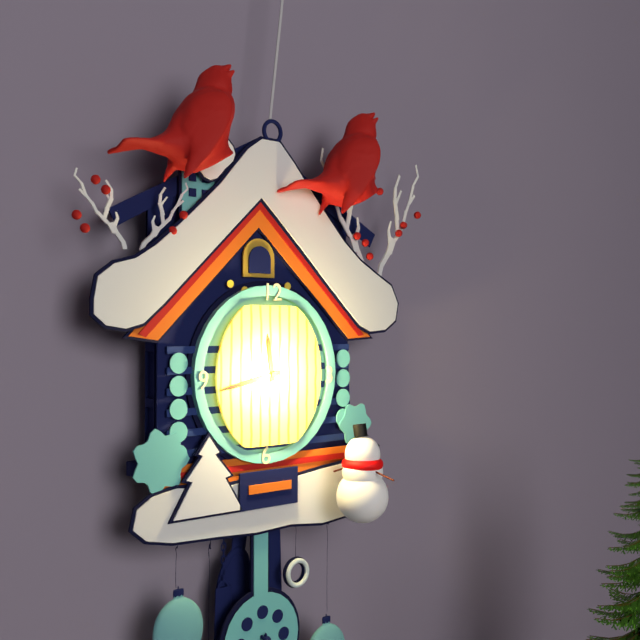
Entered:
11 h 43 min
